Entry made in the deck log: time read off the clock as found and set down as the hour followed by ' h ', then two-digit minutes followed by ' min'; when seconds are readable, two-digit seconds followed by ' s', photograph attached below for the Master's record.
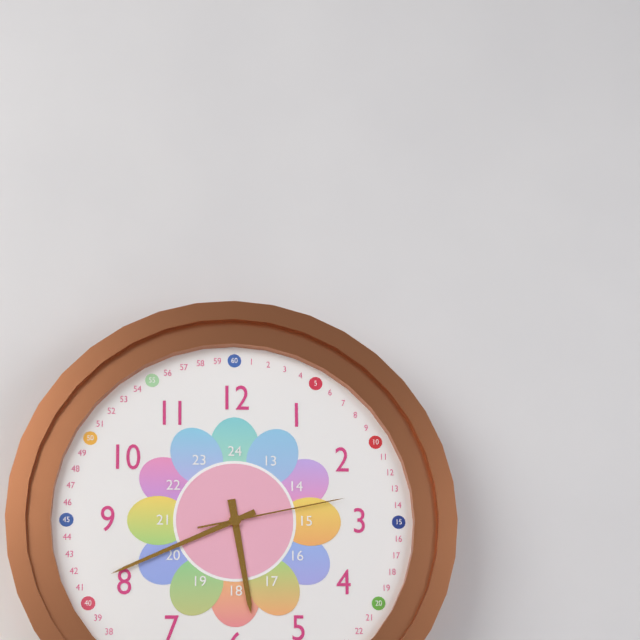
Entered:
5 h 41 min 13 s
